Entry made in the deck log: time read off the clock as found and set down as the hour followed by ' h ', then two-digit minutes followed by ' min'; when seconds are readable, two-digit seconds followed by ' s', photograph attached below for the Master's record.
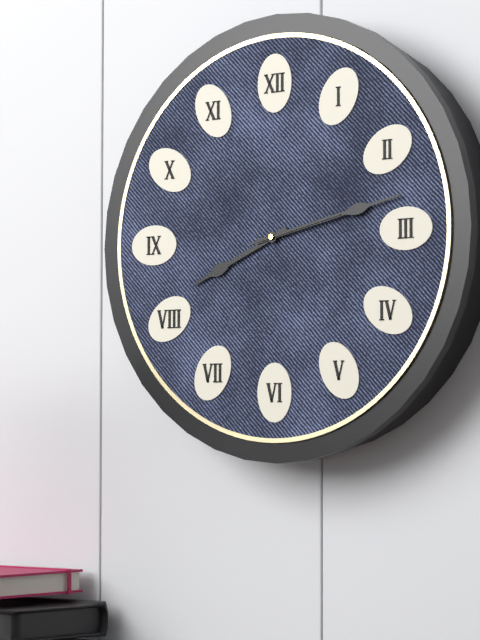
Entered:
8 h 13 min 13 s
